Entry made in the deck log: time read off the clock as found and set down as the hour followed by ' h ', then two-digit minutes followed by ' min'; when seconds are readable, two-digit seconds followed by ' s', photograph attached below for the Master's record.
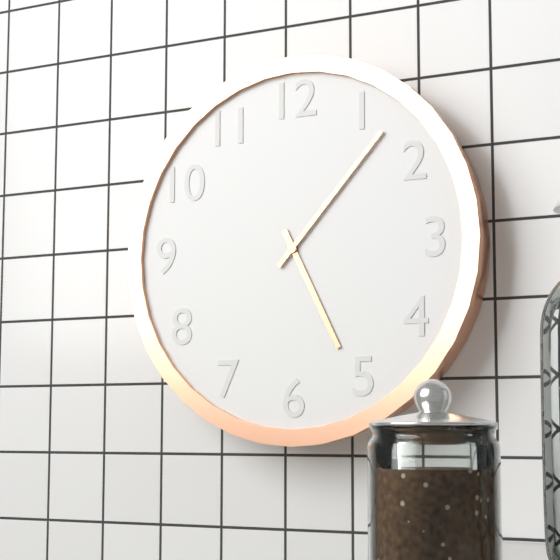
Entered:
5 h 07 min
